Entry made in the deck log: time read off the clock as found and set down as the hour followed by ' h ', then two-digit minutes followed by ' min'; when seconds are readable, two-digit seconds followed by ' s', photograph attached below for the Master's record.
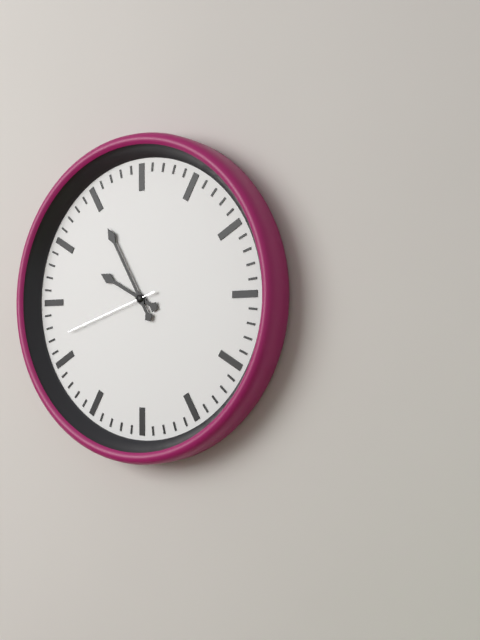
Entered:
9 h 55 min 42 s
